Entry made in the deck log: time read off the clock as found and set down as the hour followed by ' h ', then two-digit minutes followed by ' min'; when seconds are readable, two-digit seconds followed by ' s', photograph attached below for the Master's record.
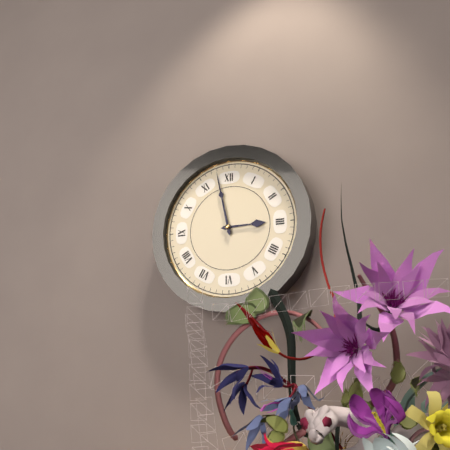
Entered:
2 h 58 min
